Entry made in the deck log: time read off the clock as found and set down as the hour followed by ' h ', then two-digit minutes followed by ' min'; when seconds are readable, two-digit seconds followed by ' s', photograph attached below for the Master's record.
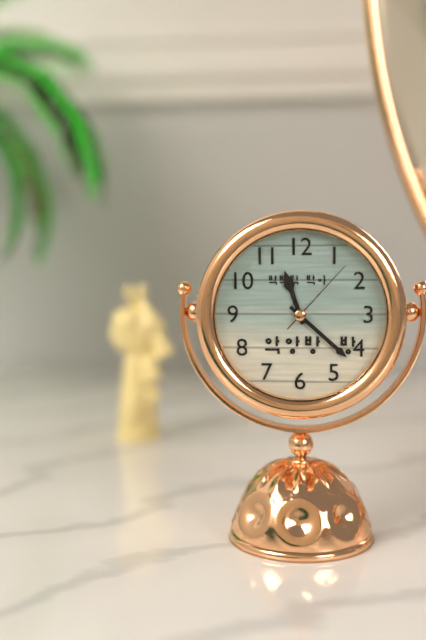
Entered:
11 h 22 min 07 s
